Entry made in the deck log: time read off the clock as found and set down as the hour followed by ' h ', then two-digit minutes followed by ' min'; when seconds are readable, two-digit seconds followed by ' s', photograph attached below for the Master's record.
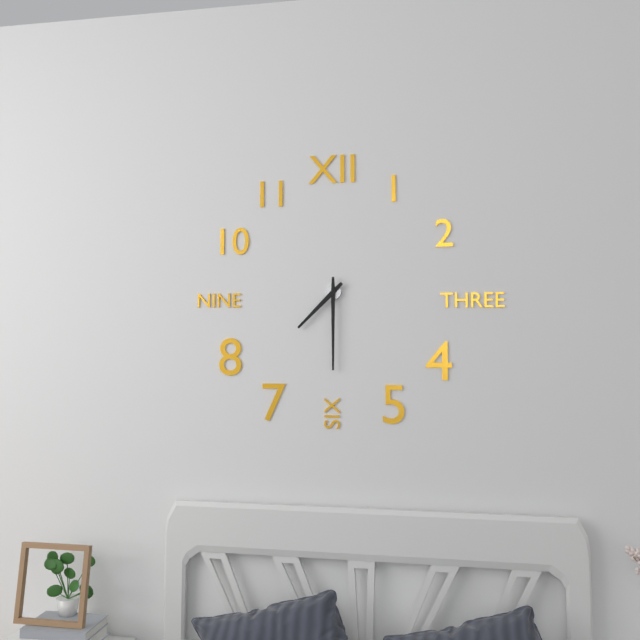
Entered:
7 h 30 min
